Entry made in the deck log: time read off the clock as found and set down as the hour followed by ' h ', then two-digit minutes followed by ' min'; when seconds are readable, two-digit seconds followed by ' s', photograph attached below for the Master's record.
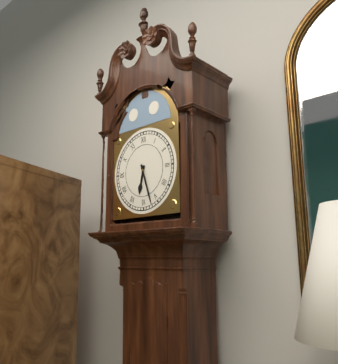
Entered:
6 h 27 min
